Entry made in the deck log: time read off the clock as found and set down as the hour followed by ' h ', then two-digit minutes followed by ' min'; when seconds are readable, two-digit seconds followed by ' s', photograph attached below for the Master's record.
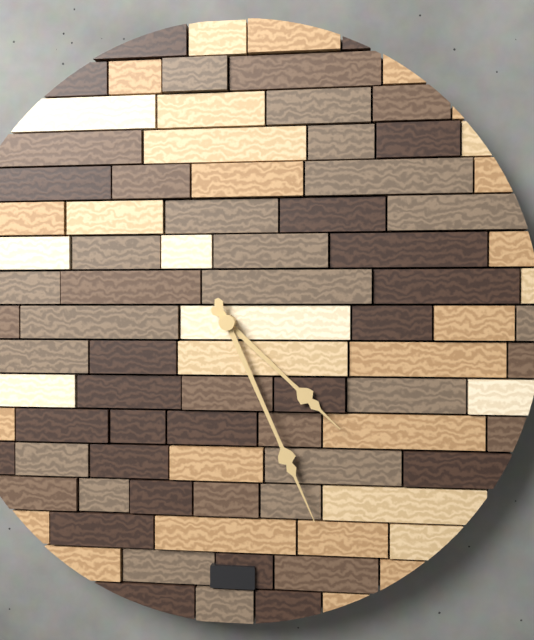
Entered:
4 h 26 min
